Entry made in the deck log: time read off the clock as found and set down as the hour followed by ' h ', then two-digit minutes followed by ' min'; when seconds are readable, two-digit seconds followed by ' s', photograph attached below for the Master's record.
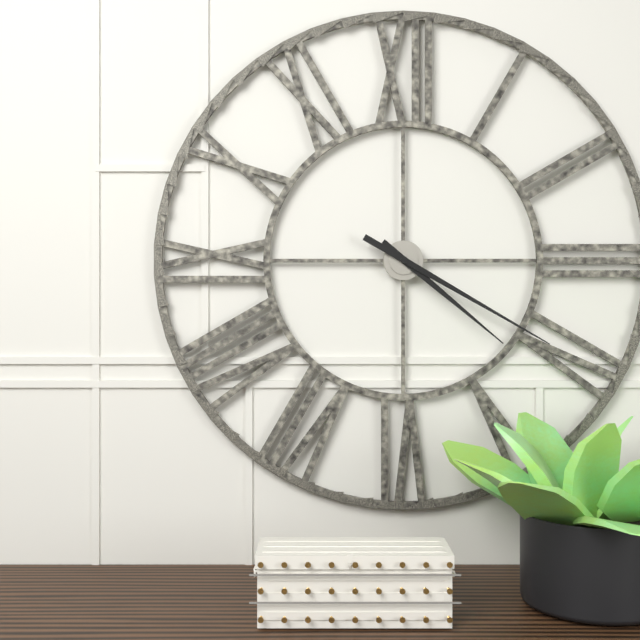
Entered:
4 h 20 min
